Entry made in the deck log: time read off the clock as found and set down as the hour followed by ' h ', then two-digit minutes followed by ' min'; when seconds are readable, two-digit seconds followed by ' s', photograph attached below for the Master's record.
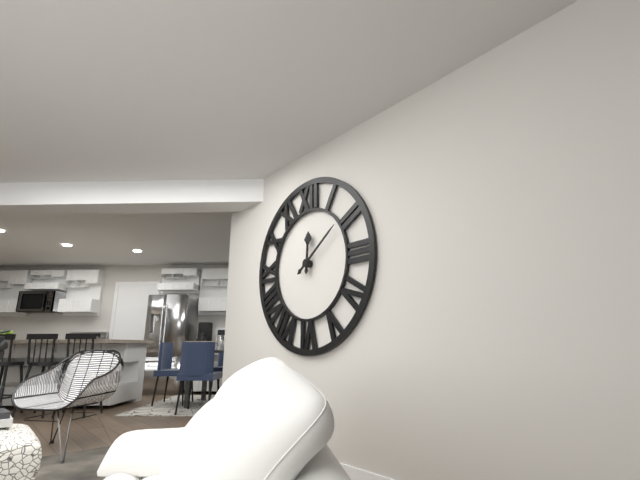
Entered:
12 h 09 min
